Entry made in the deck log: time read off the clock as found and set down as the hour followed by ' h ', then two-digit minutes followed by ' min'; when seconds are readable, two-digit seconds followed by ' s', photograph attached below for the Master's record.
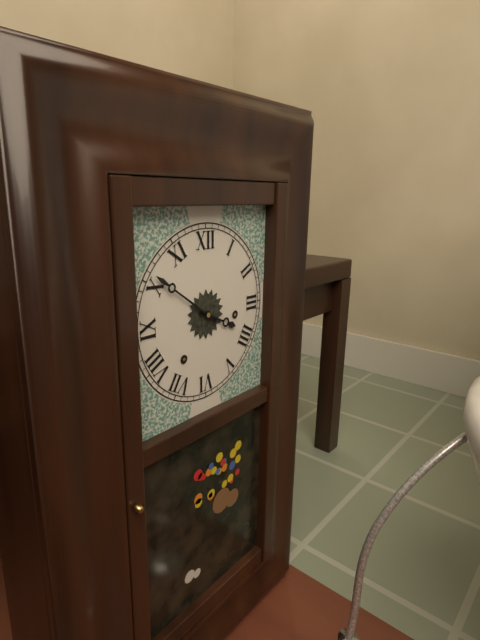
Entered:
3 h 51 min
